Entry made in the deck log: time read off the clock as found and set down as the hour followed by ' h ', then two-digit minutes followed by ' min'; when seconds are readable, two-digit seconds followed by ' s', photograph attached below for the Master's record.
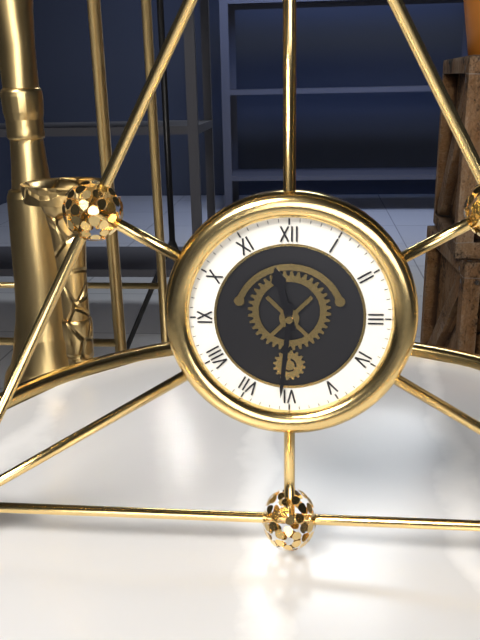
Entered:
11 h 31 min
